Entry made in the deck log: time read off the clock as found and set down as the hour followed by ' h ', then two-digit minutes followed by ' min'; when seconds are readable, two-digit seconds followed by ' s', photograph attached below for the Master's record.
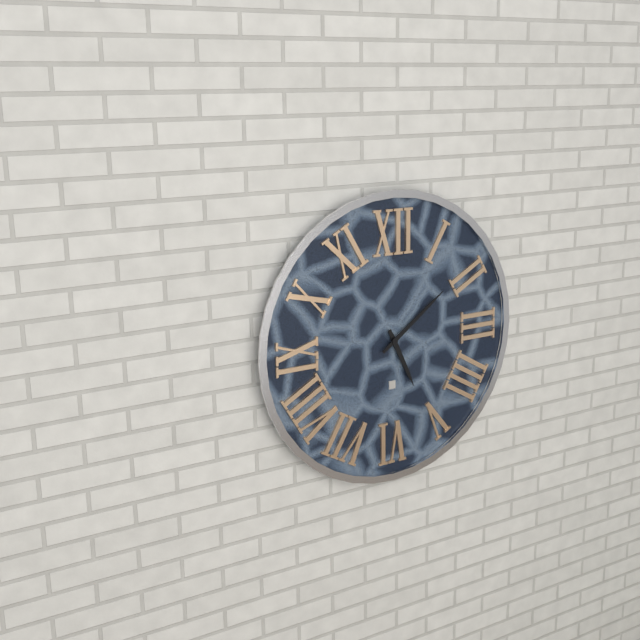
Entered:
5 h 09 min
